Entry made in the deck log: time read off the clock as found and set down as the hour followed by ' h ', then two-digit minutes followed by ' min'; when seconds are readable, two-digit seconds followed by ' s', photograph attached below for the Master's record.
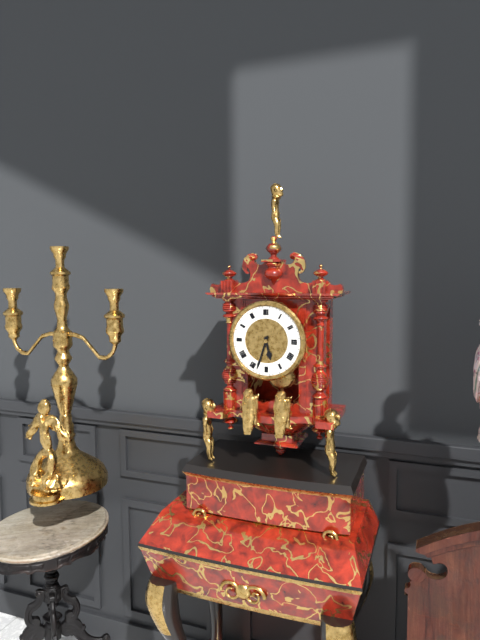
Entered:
5 h 33 min
